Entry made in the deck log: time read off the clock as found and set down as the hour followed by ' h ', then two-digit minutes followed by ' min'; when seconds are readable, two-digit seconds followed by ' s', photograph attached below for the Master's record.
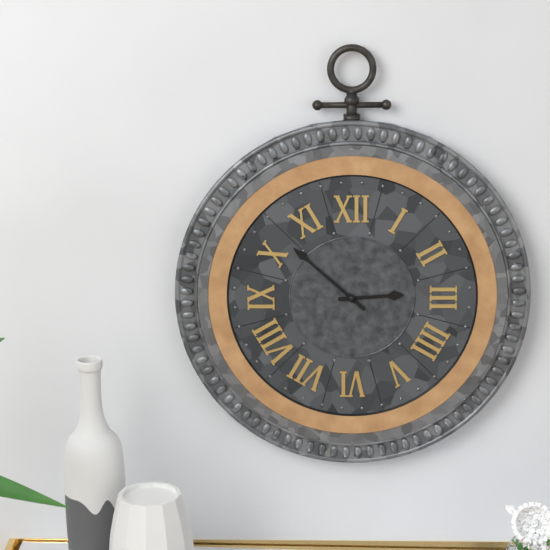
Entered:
2 h 52 min
